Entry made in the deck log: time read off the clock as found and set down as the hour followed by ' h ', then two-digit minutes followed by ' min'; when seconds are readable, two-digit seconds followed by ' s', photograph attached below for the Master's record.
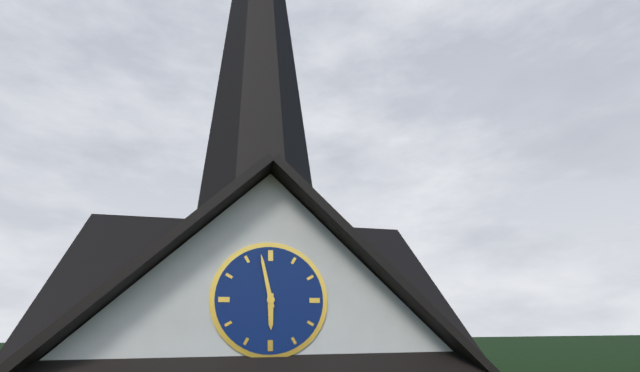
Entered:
5 h 58 min
